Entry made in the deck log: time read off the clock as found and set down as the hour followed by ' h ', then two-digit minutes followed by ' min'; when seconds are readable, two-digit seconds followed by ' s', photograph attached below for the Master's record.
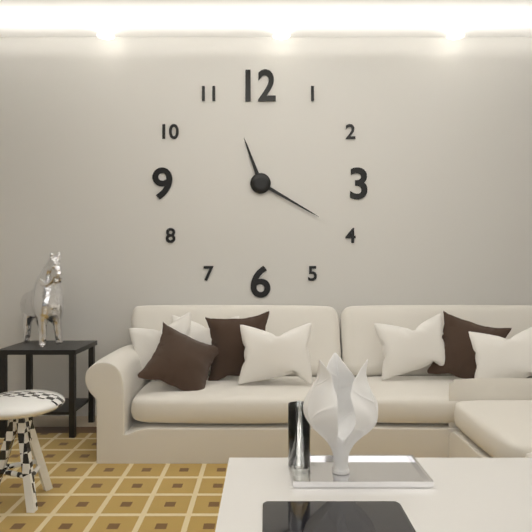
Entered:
11 h 20 min
